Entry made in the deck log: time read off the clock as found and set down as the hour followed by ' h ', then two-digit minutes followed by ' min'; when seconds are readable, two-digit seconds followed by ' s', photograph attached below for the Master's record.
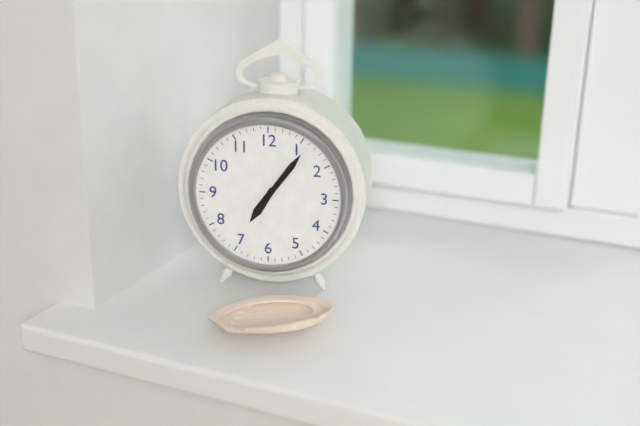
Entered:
7 h 06 min
